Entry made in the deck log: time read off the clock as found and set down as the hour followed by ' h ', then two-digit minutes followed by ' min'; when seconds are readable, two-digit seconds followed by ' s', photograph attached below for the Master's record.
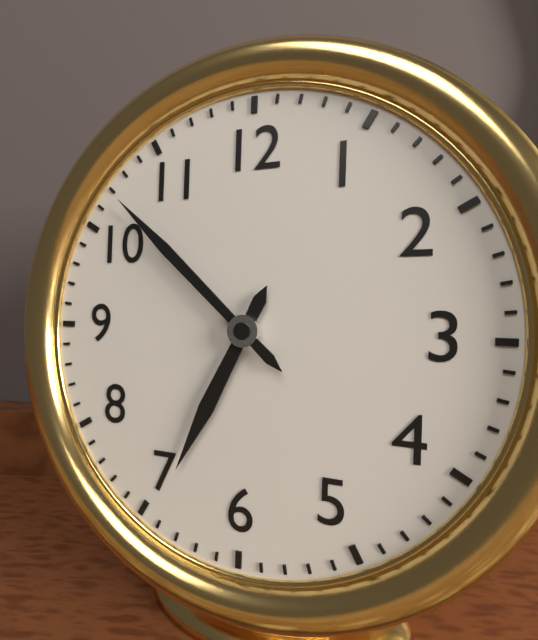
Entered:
6 h 52 min
